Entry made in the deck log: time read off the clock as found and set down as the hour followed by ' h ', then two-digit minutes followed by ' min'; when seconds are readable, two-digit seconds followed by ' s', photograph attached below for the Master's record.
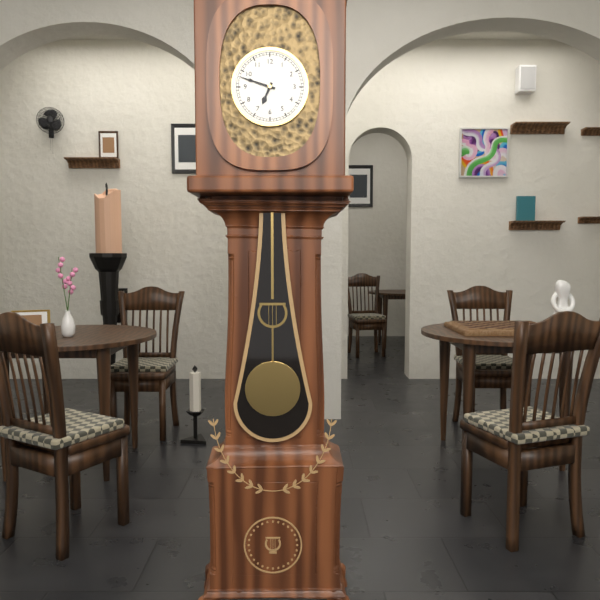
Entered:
6 h 48 min
